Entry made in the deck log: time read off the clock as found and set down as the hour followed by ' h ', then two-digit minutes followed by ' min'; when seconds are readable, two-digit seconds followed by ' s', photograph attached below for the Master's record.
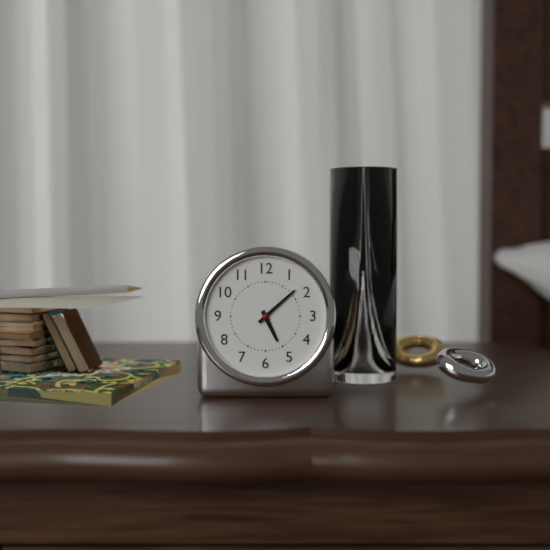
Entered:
5 h 08 min
